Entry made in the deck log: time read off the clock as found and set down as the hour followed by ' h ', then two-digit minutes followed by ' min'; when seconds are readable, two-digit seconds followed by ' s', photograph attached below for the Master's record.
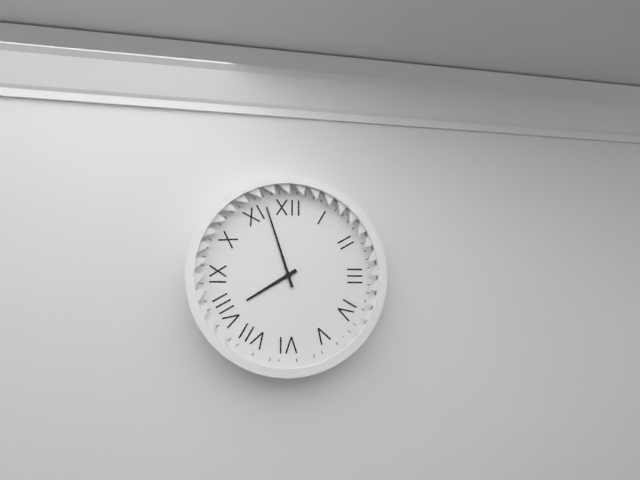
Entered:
7 h 57 min
